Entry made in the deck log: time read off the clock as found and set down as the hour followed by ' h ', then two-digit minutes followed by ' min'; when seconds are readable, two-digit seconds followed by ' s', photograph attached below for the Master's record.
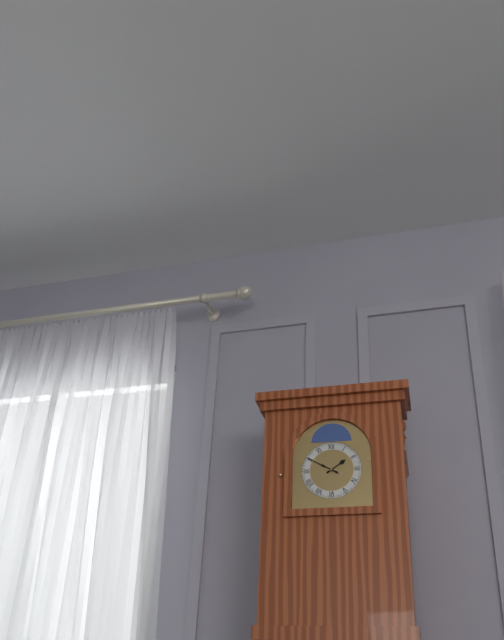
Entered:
1 h 50 min
